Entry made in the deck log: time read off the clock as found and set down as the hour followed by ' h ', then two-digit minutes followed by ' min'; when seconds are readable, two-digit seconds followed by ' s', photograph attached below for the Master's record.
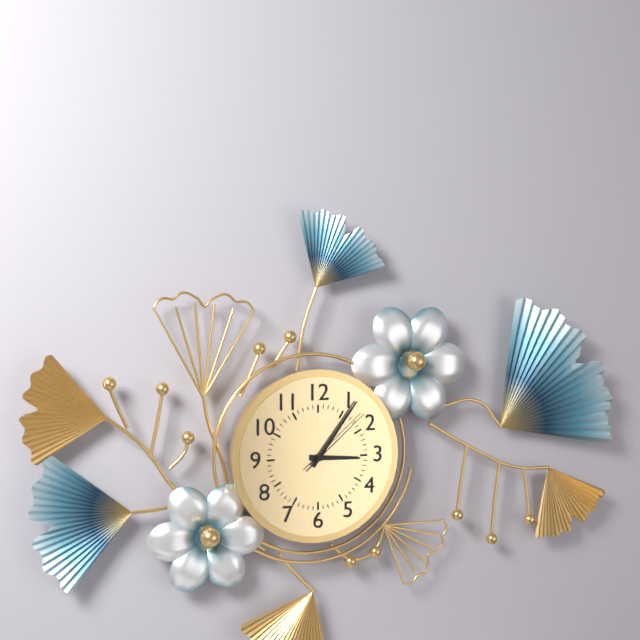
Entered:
3 h 06 min 08 s
